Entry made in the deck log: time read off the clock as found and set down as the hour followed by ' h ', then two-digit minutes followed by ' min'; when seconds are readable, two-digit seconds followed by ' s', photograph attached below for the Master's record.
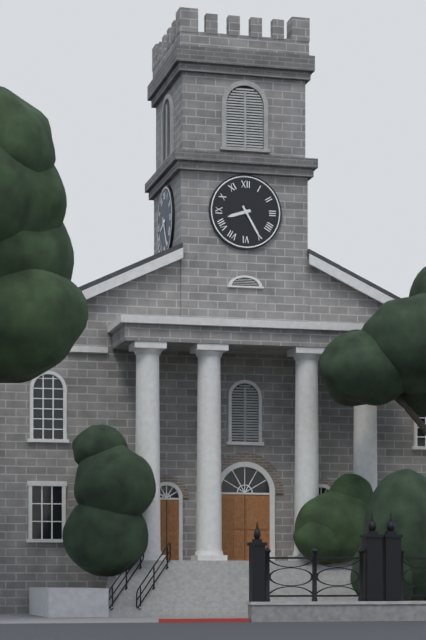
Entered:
8 h 25 min
